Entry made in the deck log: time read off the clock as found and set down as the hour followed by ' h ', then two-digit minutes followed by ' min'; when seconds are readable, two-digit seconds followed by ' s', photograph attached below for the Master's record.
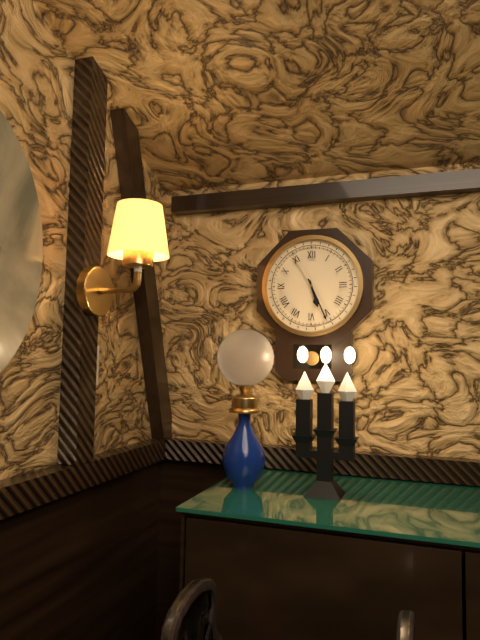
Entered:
5 h 26 min
